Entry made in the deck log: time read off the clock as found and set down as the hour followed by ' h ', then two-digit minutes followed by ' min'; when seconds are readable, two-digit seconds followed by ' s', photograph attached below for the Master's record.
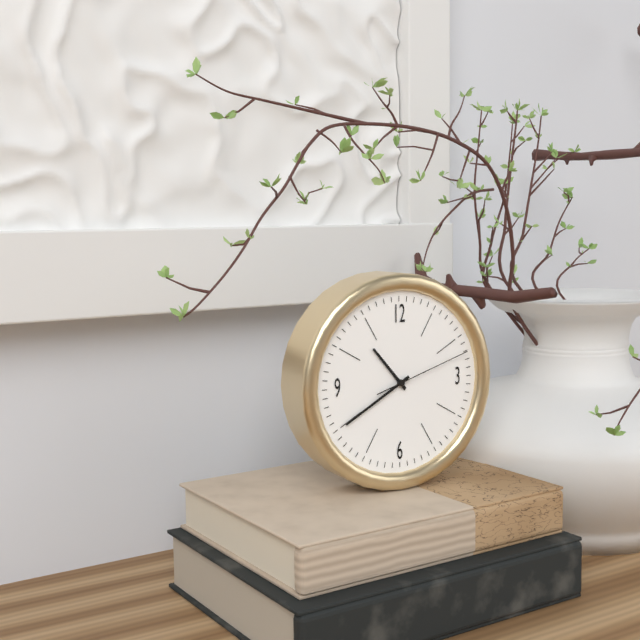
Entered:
10 h 40 min 12 s
